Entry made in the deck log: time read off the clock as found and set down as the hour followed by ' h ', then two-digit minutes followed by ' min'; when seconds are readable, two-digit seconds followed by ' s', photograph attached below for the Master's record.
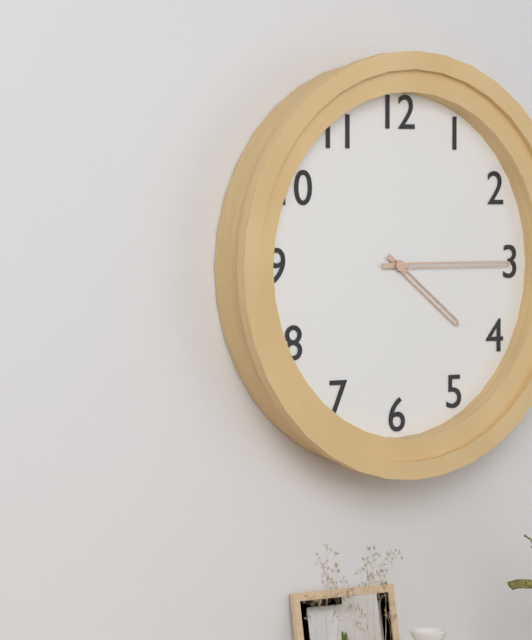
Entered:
4 h 15 min
